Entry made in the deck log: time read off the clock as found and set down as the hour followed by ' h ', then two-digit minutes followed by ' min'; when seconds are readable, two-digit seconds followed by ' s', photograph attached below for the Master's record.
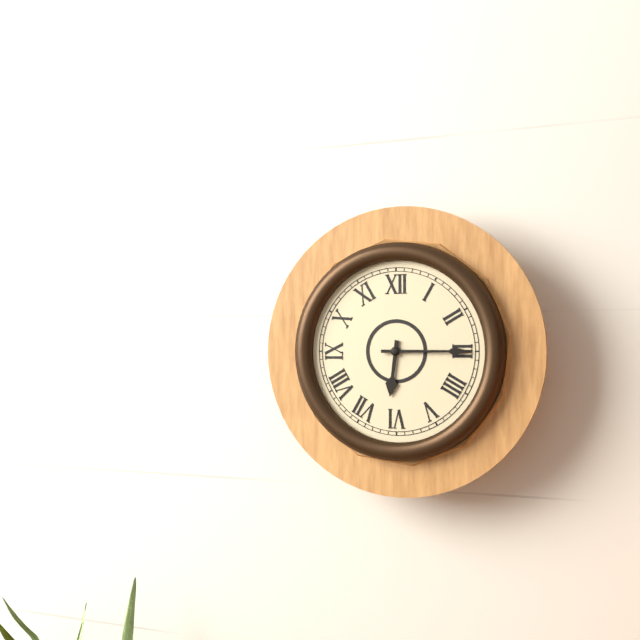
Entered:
6 h 15 min
